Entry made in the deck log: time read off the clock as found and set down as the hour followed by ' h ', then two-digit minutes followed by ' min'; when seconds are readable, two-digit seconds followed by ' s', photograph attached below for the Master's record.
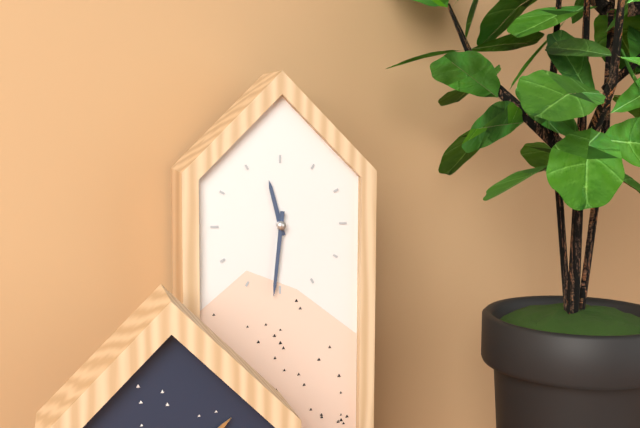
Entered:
11 h 31 min
